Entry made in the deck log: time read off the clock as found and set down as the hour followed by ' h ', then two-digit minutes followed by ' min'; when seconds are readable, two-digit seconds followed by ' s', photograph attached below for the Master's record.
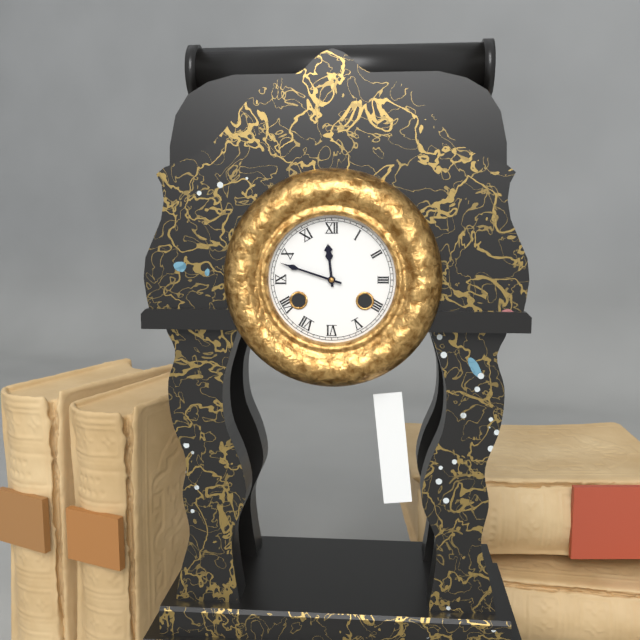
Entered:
11 h 48 min
